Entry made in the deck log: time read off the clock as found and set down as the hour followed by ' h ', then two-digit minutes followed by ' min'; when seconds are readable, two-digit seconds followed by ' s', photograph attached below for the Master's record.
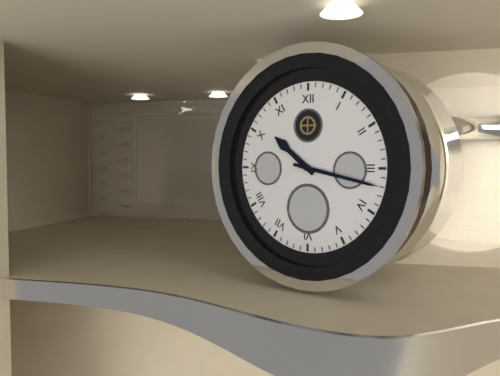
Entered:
10 h 17 min
